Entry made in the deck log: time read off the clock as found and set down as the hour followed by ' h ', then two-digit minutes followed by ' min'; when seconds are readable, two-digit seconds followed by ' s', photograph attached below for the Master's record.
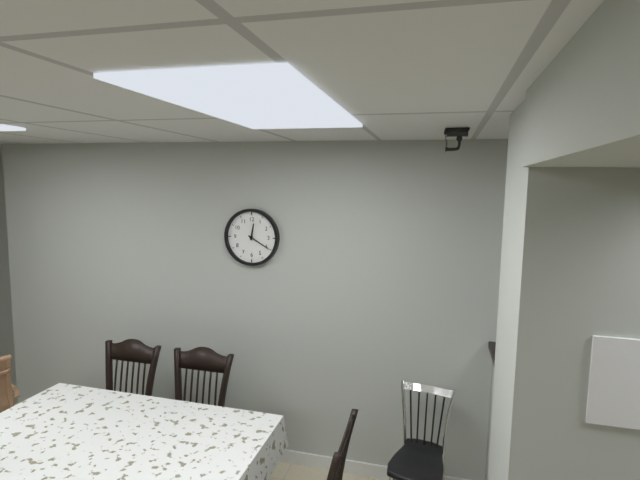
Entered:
12 h 20 min
